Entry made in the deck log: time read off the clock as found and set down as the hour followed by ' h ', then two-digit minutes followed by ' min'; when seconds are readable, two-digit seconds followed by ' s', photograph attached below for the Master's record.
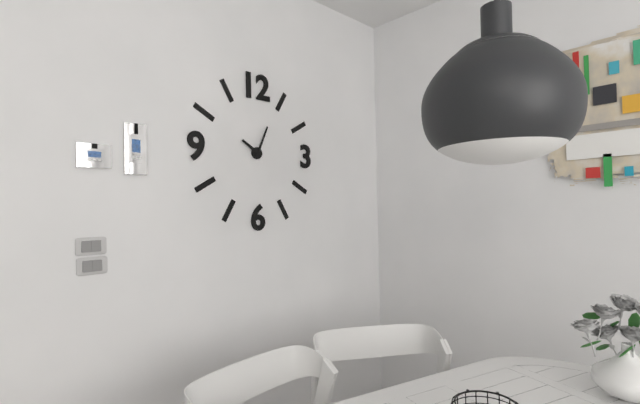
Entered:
10 h 04 min
